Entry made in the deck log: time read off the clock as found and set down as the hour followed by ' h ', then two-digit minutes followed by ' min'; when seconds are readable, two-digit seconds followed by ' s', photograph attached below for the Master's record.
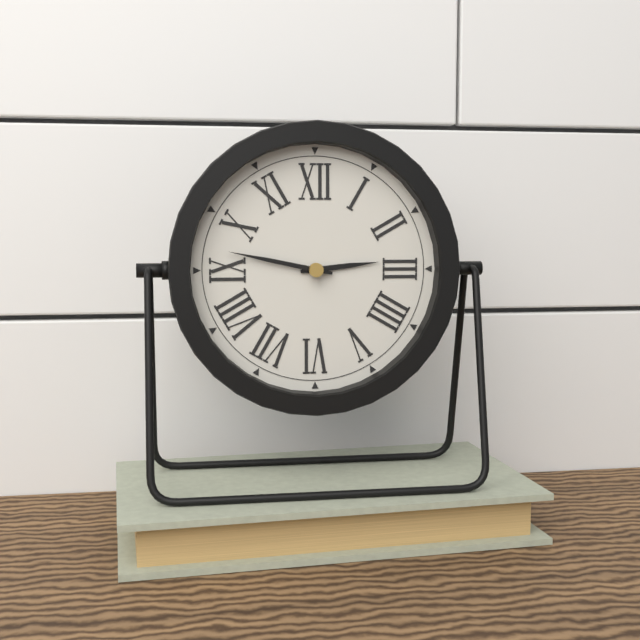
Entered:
2 h 47 min
